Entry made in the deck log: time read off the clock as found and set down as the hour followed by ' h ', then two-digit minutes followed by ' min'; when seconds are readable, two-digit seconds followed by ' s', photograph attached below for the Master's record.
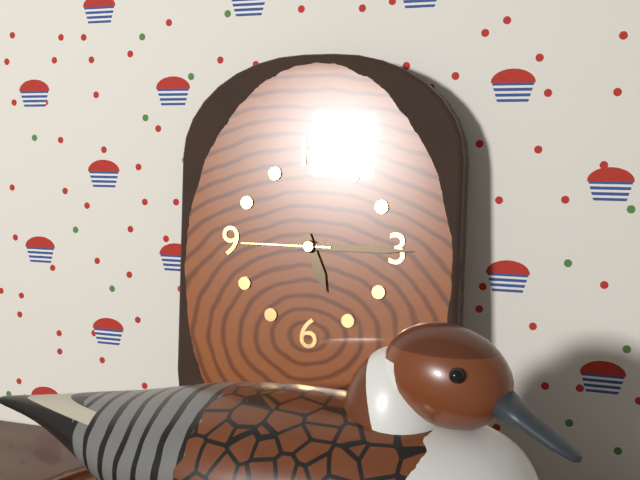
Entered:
5 h 15 min 45 s
